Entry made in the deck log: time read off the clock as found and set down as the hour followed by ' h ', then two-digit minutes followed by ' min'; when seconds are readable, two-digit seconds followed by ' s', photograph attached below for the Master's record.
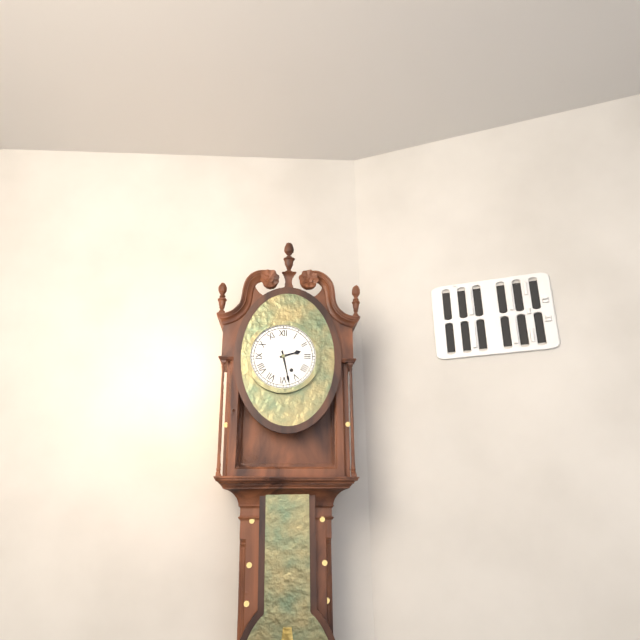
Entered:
2 h 28 min
